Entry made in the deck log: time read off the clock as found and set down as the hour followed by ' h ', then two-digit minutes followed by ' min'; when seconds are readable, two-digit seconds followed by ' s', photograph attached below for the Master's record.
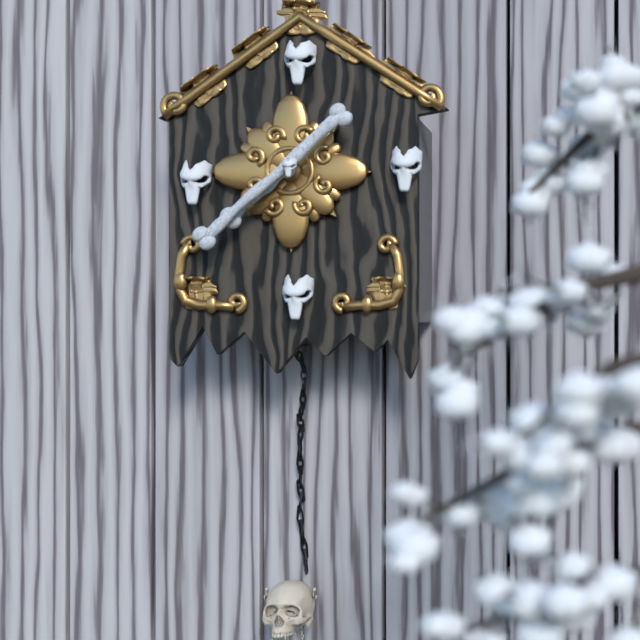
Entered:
7 h 38 min
